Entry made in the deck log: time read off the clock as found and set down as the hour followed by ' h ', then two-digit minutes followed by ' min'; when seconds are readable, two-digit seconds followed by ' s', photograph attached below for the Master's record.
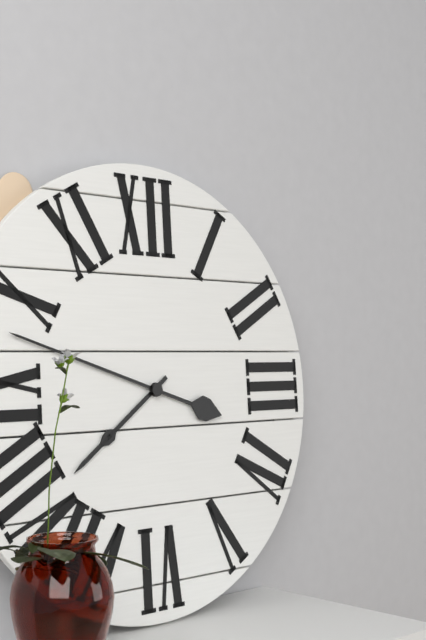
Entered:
7 h 48 min
